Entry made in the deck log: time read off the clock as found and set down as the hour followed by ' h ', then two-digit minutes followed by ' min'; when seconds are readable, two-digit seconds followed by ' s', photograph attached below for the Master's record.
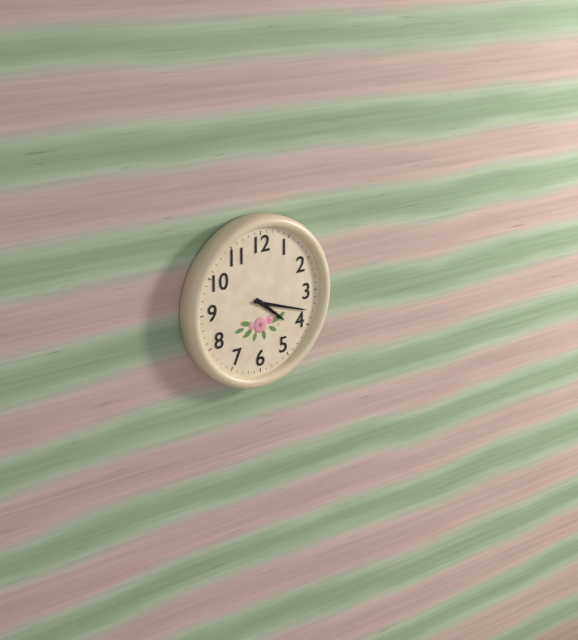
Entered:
4 h 18 min
